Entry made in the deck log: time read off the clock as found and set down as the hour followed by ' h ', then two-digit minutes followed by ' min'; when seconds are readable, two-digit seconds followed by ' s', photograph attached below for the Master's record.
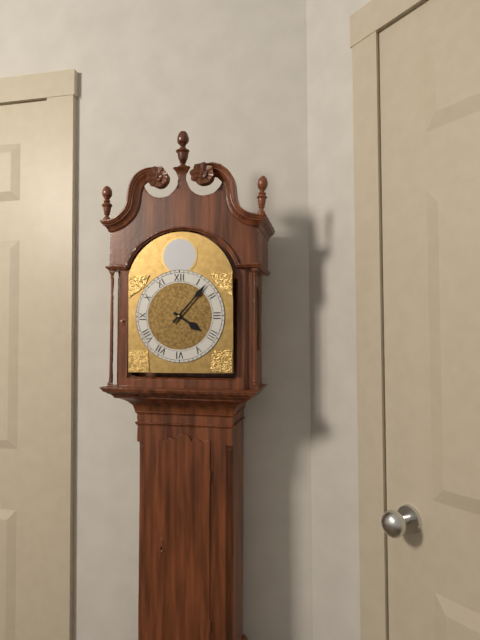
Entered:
4 h 07 min
